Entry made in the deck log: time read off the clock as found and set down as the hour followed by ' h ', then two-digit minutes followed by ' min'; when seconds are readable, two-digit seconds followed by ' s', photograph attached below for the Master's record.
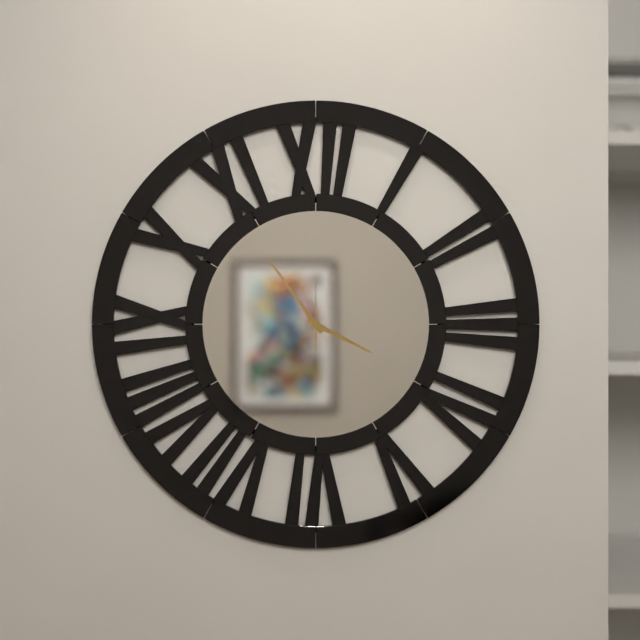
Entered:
3 h 54 min 00 s
